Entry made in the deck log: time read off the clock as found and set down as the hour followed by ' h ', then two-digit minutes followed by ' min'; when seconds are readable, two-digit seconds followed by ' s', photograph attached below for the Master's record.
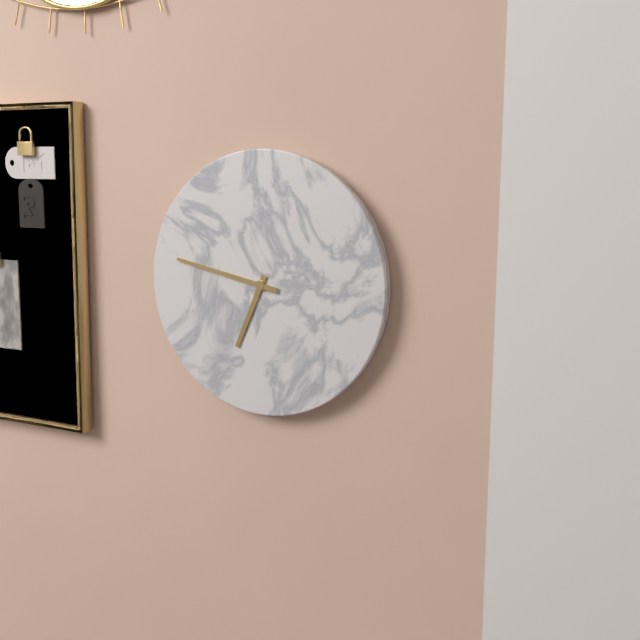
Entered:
6 h 47 min
